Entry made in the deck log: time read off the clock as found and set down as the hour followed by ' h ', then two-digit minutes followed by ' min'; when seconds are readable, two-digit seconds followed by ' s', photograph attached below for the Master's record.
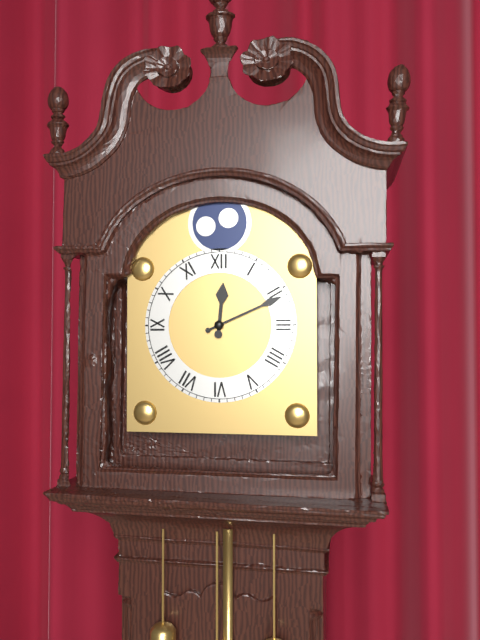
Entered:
12 h 11 min
